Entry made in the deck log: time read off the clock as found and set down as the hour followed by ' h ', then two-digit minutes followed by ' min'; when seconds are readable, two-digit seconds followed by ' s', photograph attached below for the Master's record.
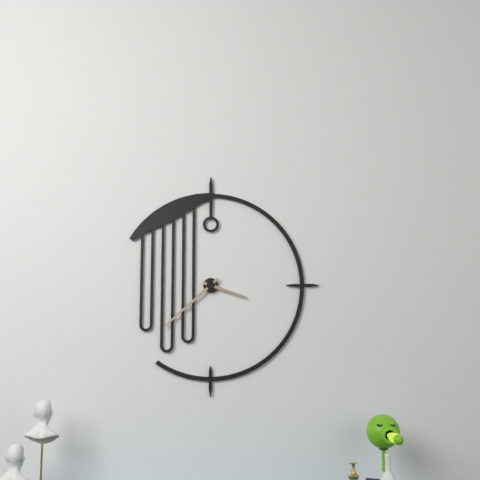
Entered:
3 h 38 min
